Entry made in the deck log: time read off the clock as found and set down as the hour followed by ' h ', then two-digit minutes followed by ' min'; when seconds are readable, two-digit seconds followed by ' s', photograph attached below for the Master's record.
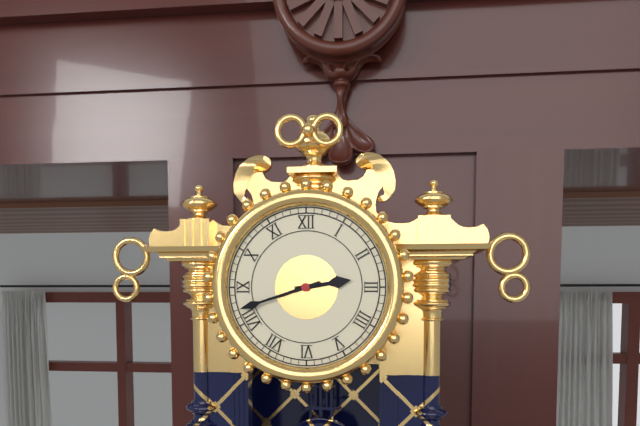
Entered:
2 h 42 min
